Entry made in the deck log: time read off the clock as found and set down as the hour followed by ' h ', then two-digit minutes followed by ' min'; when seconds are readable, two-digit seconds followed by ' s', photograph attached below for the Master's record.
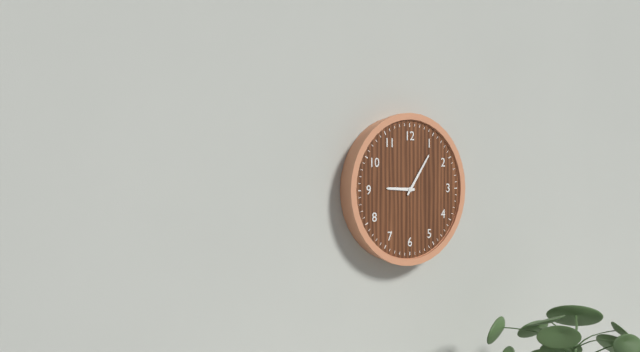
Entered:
9 h 06 min
